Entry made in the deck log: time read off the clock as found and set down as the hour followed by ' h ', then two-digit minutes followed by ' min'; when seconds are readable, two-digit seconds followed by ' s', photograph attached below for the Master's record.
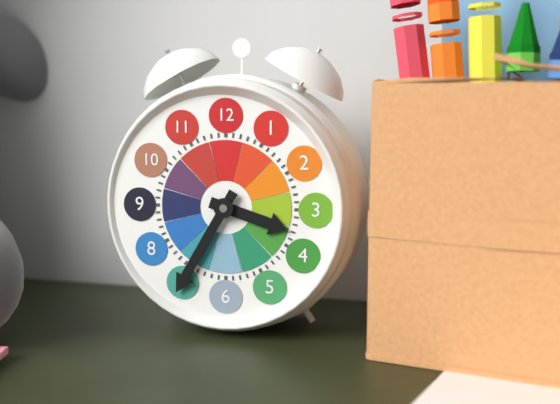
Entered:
3 h 35 min
